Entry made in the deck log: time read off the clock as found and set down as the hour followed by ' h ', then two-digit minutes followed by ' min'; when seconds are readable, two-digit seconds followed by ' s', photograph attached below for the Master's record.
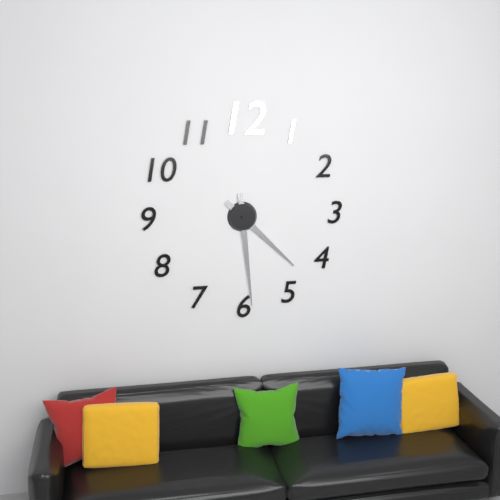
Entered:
4 h 29 min
